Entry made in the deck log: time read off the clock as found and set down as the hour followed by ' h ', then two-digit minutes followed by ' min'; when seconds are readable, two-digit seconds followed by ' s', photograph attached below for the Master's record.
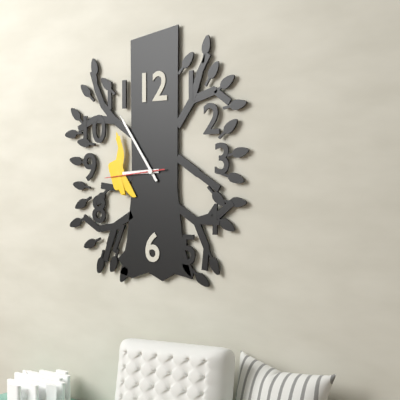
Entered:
8 h 54 min 44 s
